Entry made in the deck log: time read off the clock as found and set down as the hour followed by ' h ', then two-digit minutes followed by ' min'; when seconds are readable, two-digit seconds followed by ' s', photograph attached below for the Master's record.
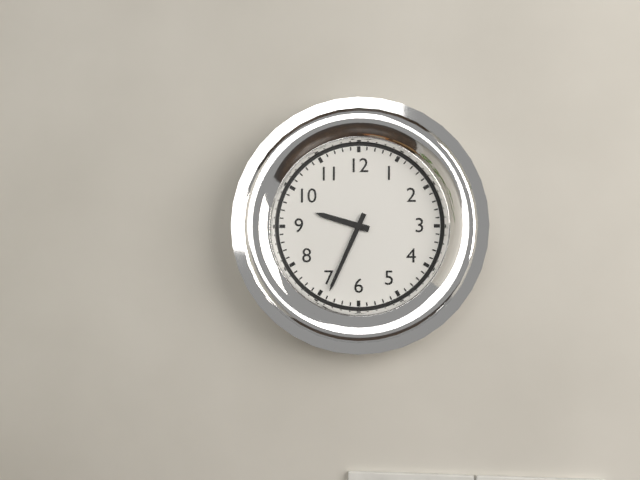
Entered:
9 h 34 min
